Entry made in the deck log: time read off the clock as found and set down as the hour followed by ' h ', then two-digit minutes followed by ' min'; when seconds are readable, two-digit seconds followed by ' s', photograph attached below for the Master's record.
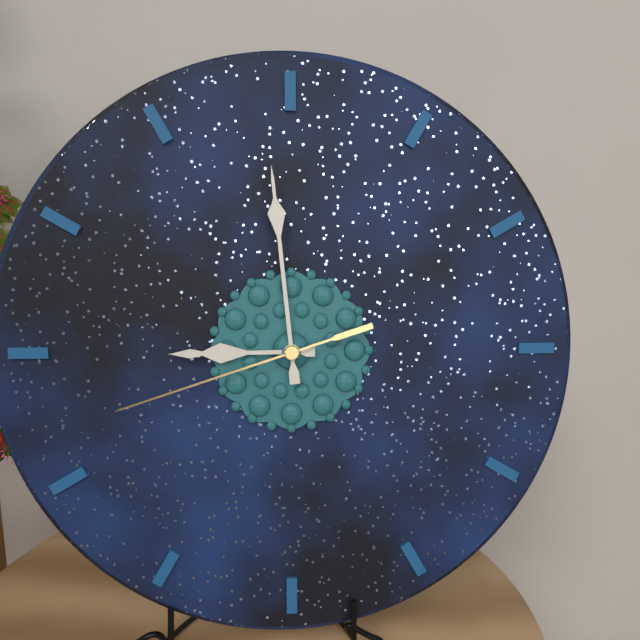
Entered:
8 h 59 min 42 s
